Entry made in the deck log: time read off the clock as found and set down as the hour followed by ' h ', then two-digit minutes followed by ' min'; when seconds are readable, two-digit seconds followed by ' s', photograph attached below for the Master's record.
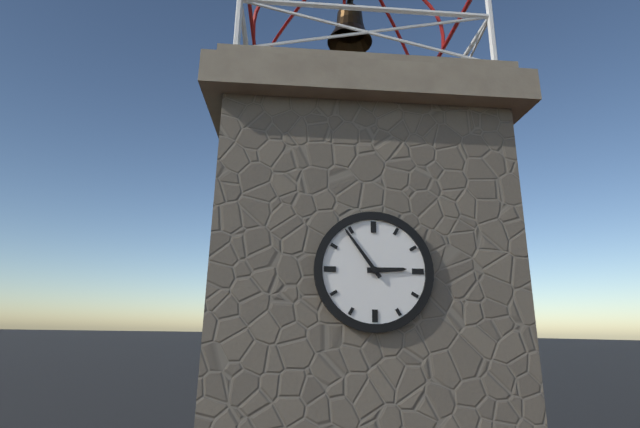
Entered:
2 h 54 min
